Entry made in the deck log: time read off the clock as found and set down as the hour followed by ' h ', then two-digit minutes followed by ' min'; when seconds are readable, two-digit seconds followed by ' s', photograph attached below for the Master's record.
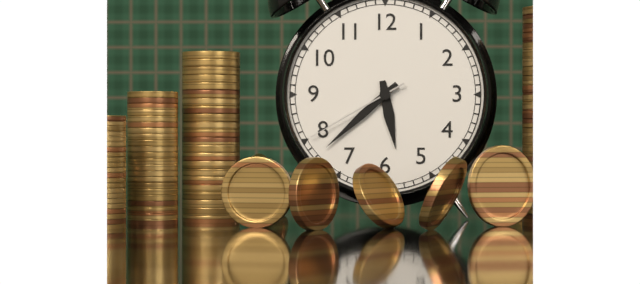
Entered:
5 h 38 min 40 s
